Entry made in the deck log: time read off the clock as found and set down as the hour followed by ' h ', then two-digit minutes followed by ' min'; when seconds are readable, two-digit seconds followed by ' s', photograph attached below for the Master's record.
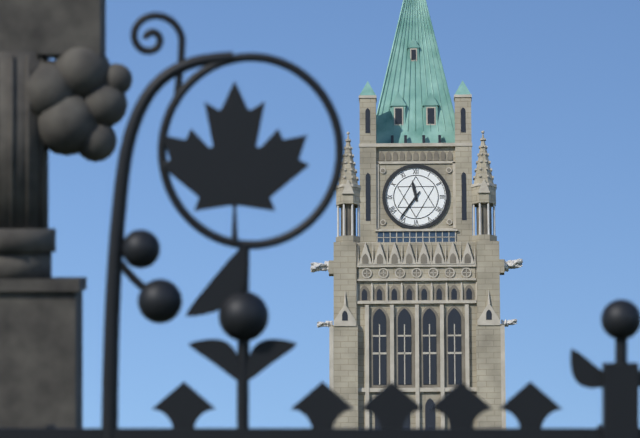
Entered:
11 h 36 min
